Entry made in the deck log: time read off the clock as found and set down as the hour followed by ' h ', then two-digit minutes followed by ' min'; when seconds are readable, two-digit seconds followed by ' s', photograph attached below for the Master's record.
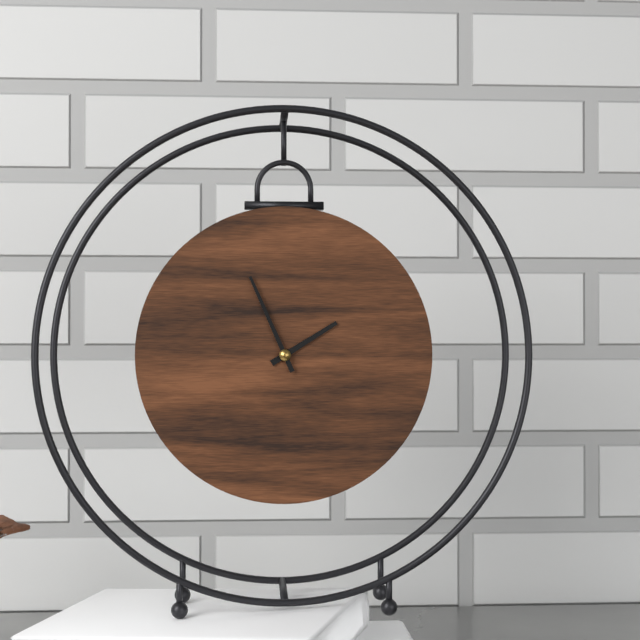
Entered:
1 h 56 min
